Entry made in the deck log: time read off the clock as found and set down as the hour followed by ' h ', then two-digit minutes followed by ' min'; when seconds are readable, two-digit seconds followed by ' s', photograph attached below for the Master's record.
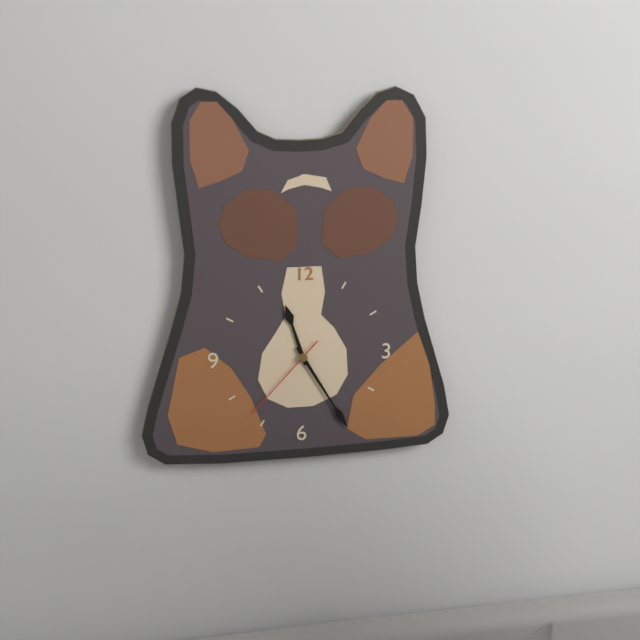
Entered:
11 h 25 min 37 s
